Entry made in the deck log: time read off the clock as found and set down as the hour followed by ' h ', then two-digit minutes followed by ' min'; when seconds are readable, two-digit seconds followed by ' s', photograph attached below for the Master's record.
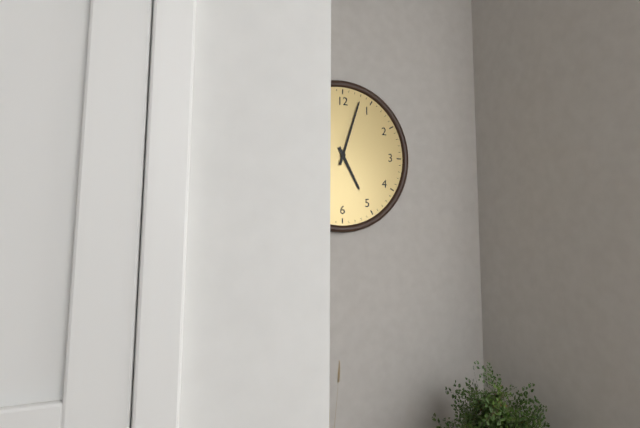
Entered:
5 h 03 min
